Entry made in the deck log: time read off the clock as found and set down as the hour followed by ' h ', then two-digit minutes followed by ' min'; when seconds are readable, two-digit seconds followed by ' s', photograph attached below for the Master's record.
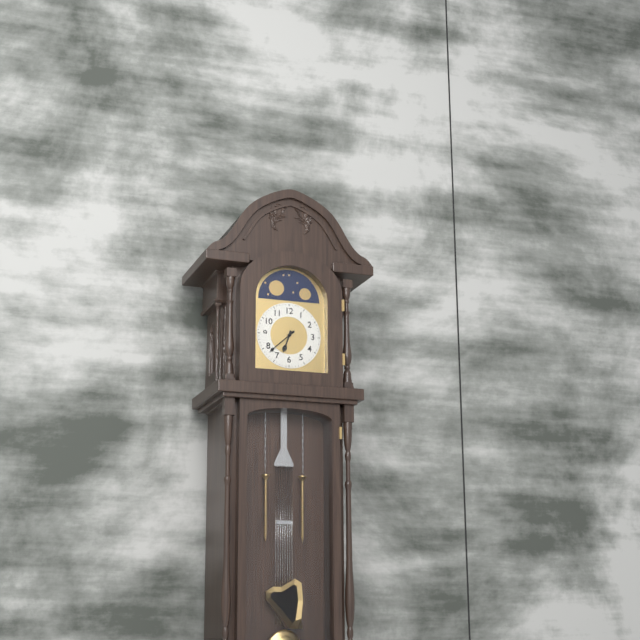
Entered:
6 h 38 min
